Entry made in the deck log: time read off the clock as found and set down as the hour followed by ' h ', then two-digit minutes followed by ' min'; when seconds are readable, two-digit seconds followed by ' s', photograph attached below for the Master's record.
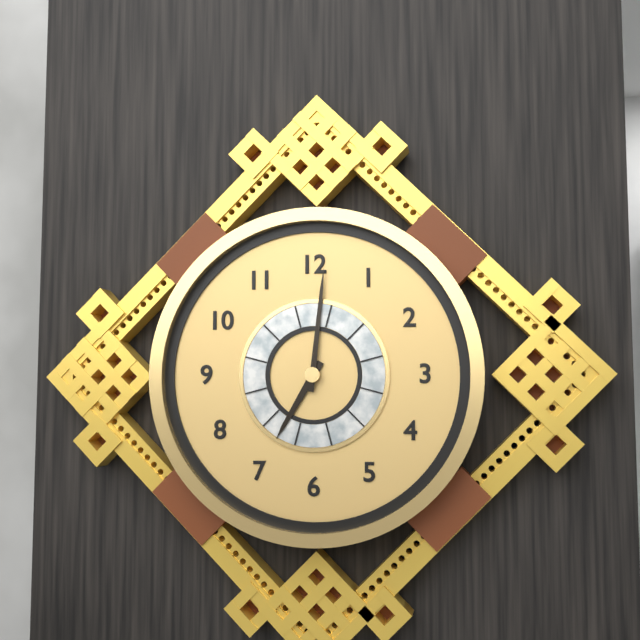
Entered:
7 h 01 min
